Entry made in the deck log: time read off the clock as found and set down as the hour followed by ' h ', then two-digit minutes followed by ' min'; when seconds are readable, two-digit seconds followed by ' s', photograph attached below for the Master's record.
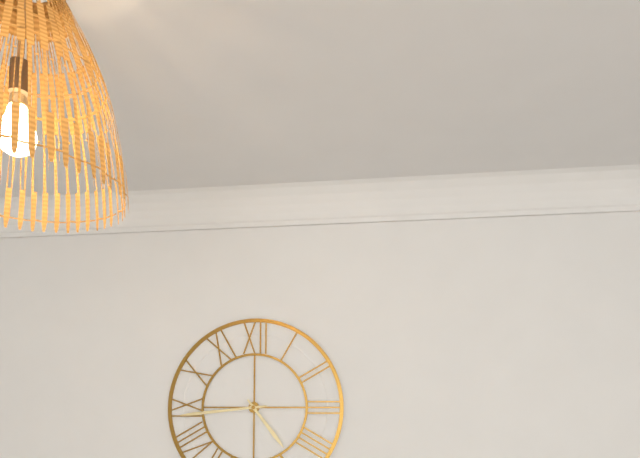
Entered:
4 h 44 min
